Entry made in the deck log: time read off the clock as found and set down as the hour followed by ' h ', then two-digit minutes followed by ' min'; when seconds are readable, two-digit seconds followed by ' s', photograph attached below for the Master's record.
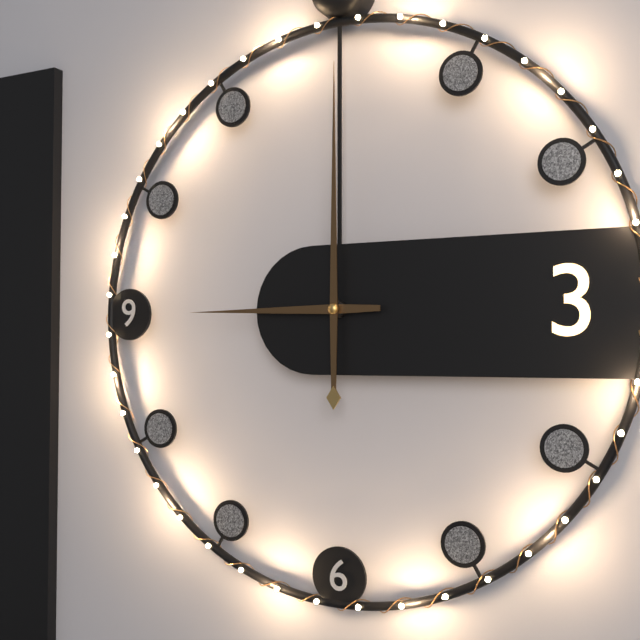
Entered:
9 h 00 min
